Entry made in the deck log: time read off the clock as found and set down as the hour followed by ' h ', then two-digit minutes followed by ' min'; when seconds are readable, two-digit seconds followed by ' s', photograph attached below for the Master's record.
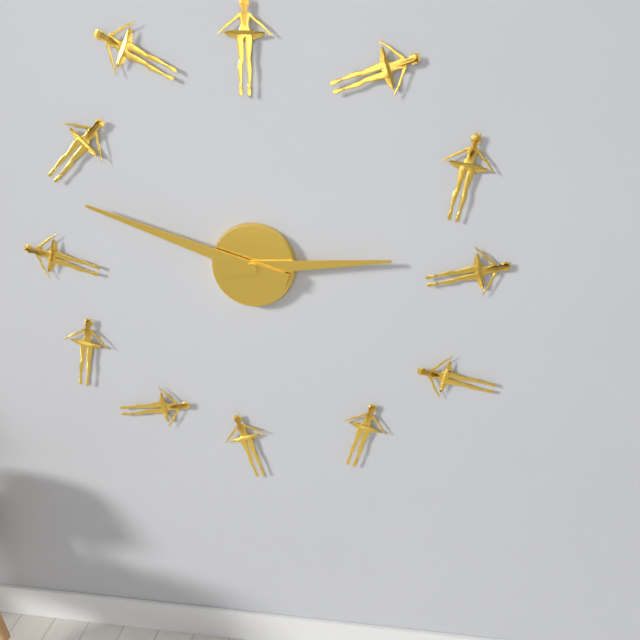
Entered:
2 h 48 min
